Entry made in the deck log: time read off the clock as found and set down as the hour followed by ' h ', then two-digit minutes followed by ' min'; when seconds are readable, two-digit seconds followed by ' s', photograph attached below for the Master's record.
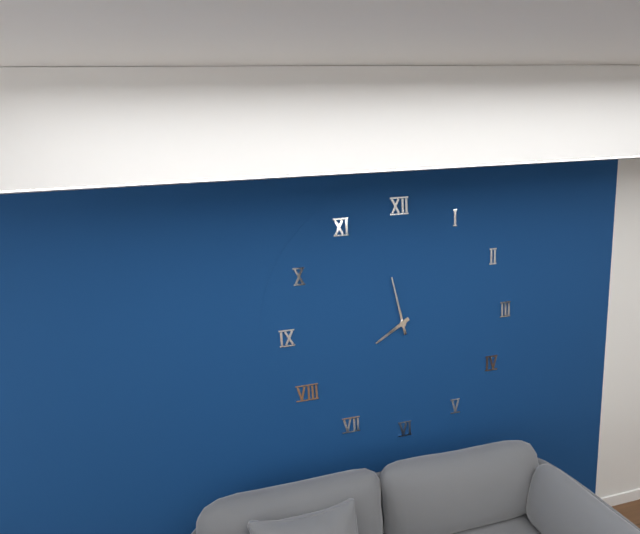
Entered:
7 h 58 min
